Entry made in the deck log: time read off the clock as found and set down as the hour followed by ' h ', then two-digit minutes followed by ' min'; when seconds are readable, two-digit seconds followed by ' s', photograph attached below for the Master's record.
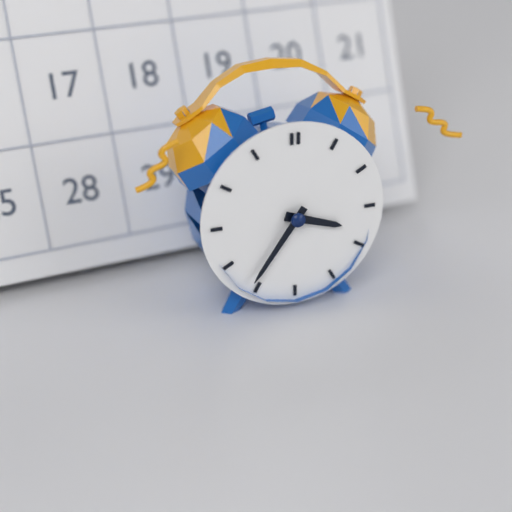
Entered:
3 h 36 min
